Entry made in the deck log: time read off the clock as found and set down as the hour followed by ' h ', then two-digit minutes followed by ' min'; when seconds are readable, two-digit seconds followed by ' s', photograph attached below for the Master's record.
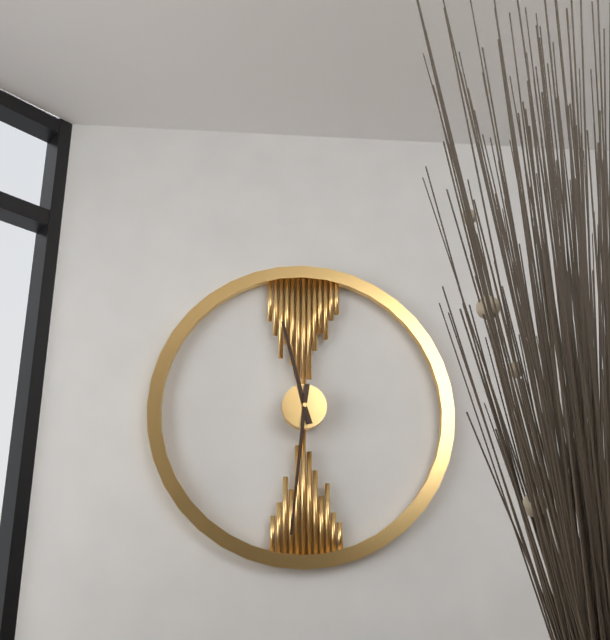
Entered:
11 h 31 min
